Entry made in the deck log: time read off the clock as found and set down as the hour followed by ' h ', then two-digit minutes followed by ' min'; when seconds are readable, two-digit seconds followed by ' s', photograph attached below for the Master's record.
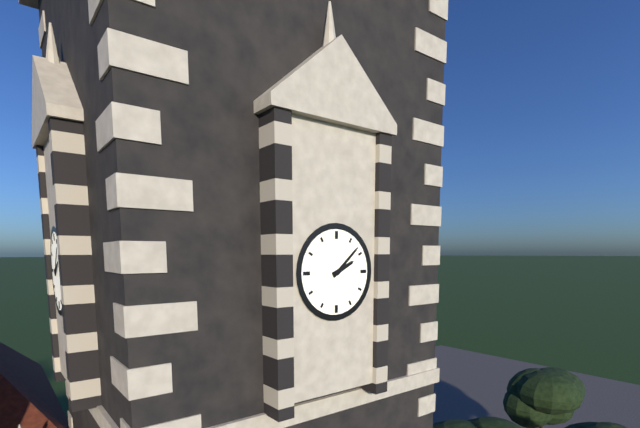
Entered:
2 h 08 min
